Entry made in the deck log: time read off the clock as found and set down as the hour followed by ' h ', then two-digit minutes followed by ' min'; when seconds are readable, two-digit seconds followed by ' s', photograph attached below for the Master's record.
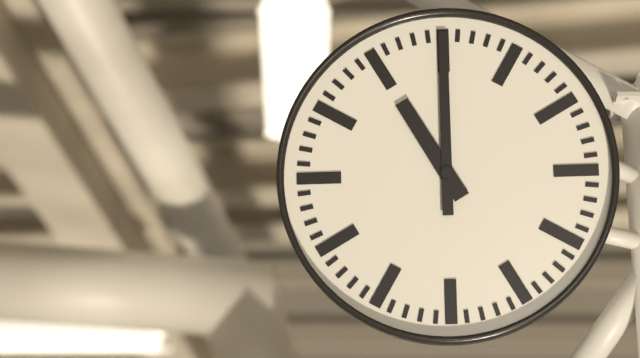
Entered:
11 h 00 min
